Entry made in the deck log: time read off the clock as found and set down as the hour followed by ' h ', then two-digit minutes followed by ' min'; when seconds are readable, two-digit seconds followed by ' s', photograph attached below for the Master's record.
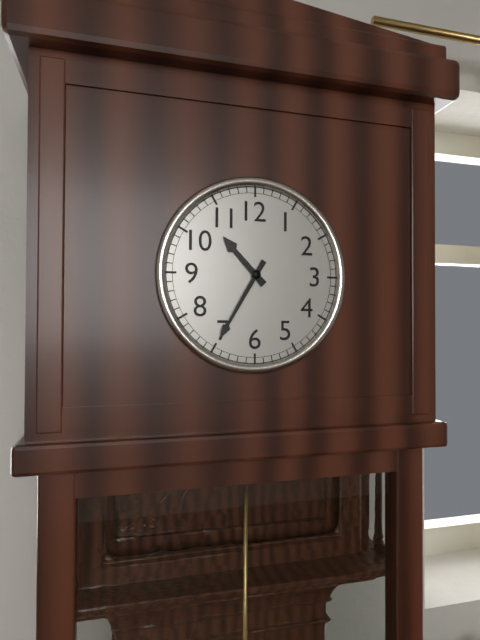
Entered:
10 h 35 min
